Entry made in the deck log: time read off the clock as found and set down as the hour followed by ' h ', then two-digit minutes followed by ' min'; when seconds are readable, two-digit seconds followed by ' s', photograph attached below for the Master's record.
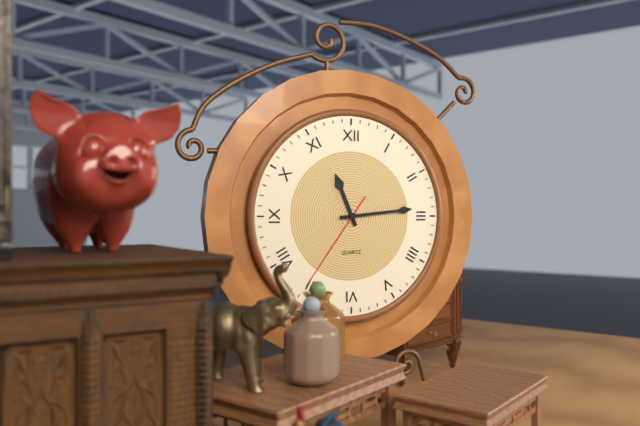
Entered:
11 h 14 min 36 s
